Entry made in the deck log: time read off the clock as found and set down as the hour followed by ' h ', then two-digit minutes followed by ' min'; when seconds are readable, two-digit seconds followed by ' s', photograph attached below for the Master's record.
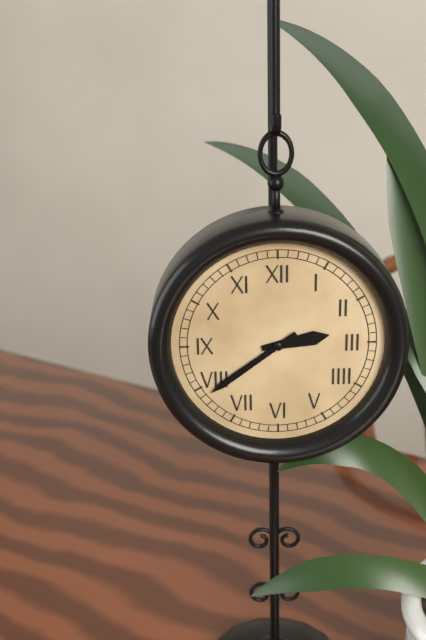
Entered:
2 h 39 min
